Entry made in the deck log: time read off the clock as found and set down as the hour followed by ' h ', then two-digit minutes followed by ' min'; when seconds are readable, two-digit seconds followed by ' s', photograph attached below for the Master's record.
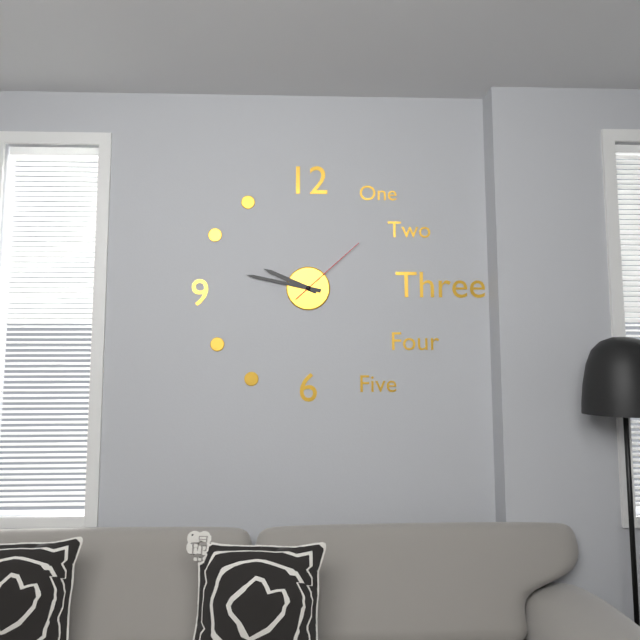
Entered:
9 h 47 min 08 s
